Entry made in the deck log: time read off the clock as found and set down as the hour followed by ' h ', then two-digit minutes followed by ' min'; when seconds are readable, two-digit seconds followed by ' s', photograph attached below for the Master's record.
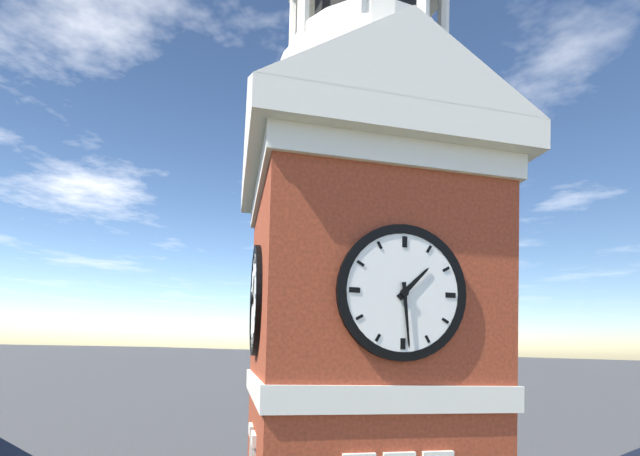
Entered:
1 h 29 min
